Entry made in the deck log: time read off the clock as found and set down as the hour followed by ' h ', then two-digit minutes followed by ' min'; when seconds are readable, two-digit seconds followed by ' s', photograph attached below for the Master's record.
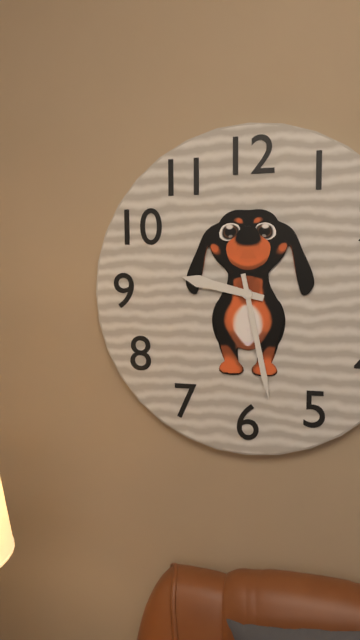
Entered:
9 h 28 min
